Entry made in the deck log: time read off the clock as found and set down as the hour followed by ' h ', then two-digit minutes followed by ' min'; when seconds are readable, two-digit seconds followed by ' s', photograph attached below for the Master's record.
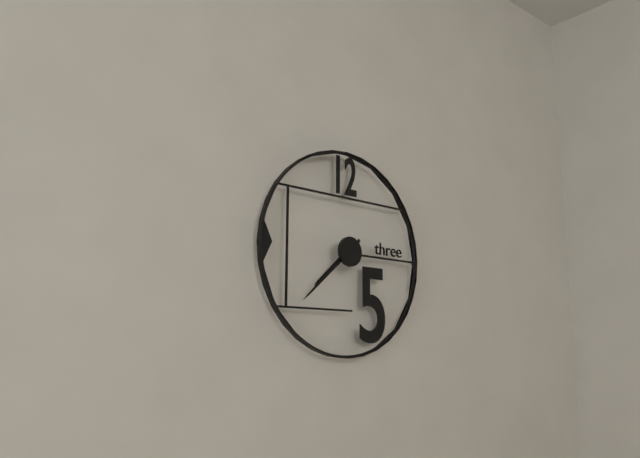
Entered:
7 h 38 min
